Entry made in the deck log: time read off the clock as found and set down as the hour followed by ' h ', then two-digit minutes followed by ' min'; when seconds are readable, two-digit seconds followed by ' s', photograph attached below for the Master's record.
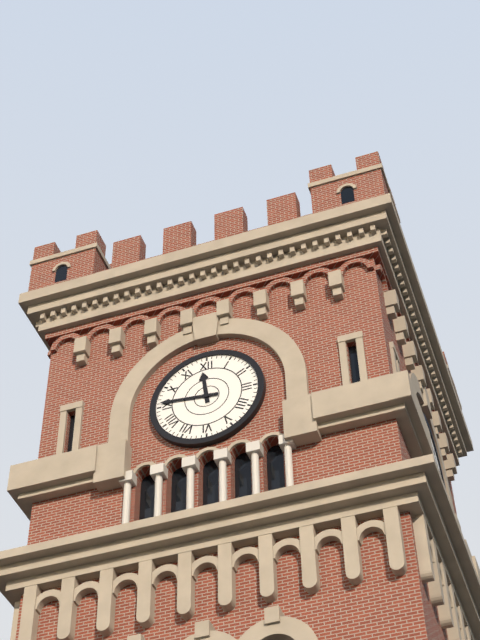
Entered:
11 h 46 min
